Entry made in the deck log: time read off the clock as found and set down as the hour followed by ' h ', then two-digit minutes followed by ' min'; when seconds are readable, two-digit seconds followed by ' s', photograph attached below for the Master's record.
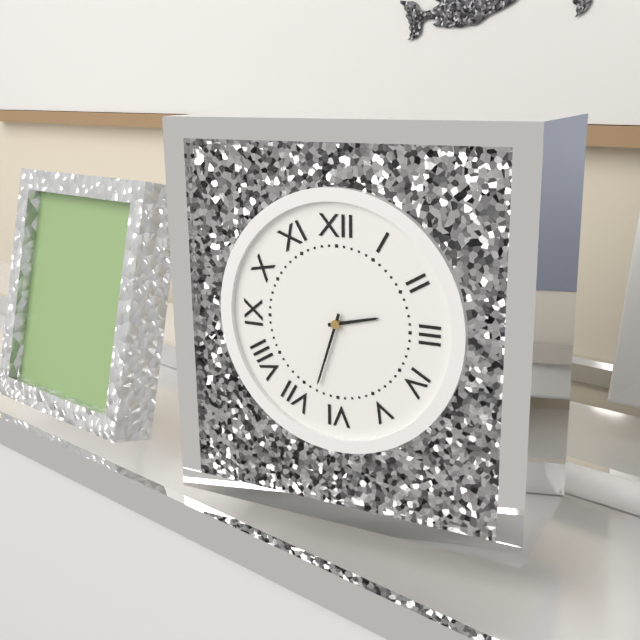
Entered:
2 h 33 min
